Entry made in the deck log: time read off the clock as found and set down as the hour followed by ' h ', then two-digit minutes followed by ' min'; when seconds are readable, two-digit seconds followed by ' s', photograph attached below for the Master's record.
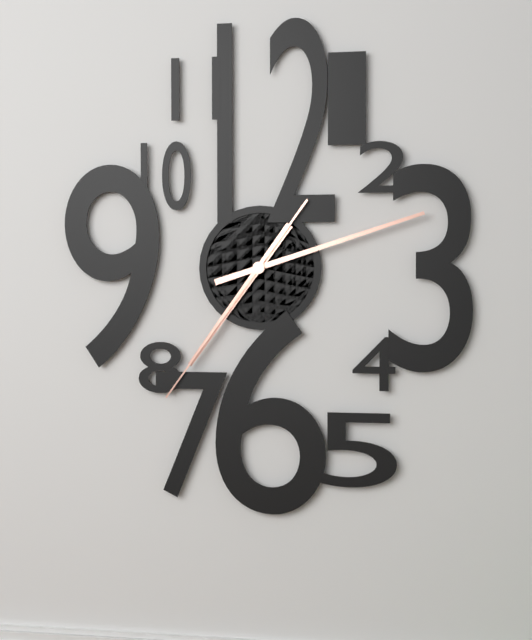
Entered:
7 h 12 min 36 s
